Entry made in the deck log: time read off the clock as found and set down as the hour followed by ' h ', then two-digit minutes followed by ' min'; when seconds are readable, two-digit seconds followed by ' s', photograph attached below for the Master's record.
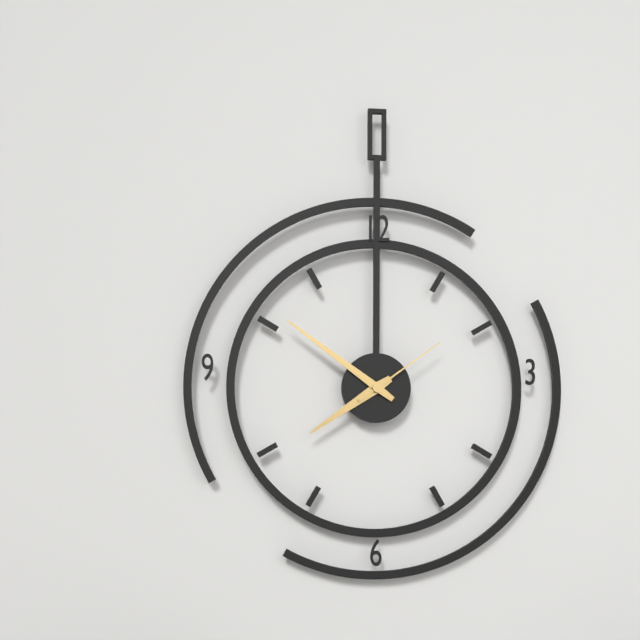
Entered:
7 h 51 min 09 s
